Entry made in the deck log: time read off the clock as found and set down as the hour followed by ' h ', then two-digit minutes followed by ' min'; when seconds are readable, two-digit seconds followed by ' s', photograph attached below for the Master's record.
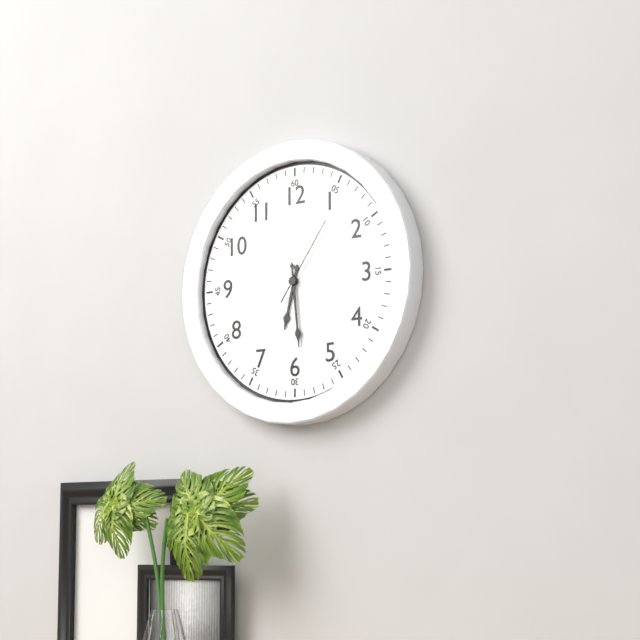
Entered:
6 h 29 min 06 s
